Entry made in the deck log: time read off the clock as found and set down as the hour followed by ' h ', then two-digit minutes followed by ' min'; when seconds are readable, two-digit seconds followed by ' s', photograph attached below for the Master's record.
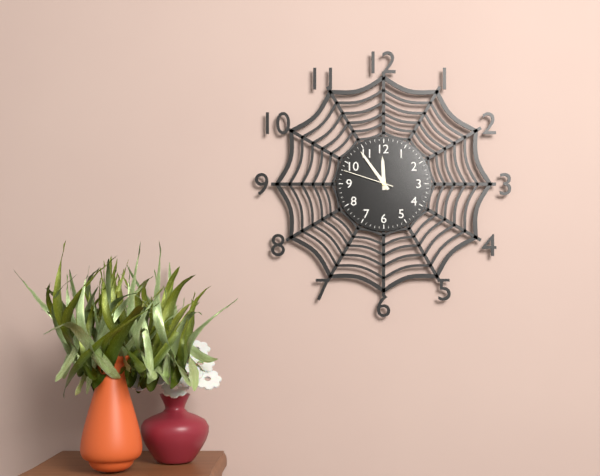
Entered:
11 h 54 min 48 s
